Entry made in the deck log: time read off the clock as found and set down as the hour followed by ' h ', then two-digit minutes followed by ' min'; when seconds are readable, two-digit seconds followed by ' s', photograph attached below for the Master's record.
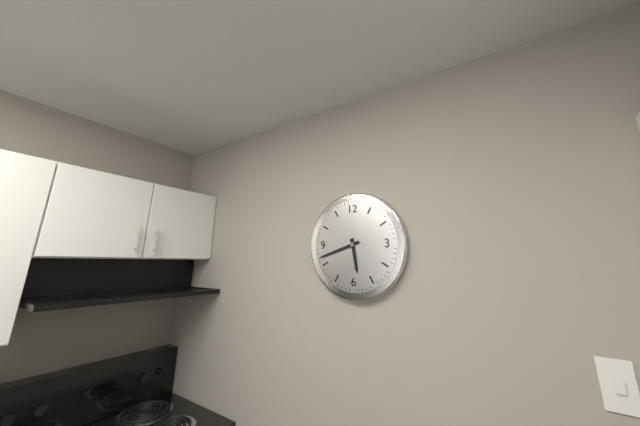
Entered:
5 h 42 min
